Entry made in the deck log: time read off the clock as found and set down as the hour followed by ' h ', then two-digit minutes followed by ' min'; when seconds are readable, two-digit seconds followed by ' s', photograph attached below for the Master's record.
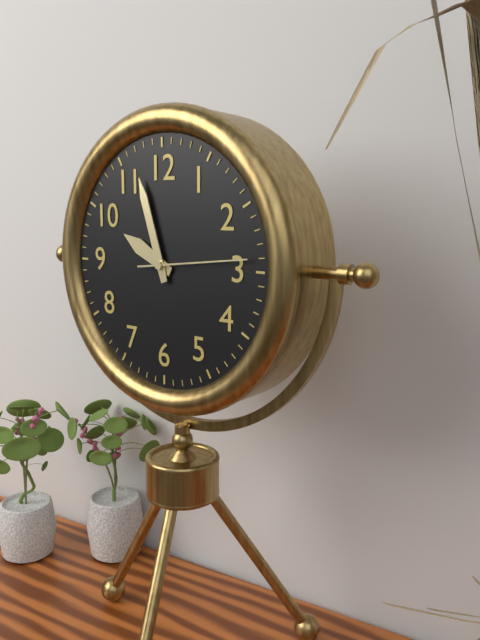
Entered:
9 h 57 min 14 s
